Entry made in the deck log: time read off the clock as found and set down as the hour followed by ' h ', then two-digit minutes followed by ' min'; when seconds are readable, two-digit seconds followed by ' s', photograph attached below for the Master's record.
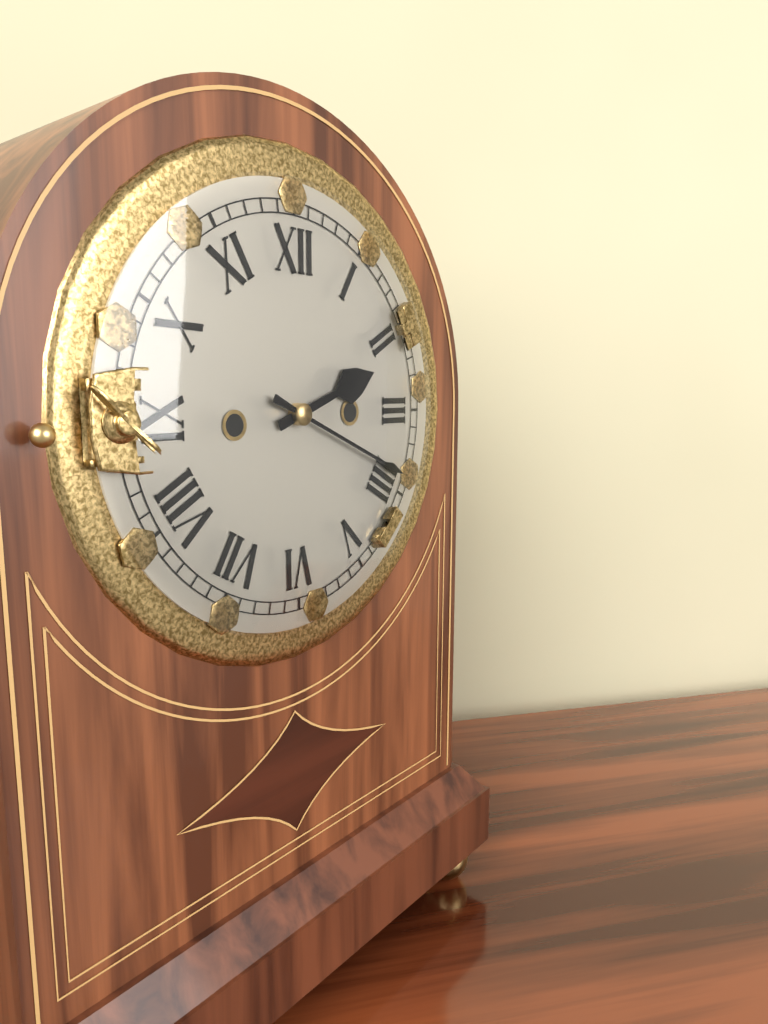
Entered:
2 h 19 min
